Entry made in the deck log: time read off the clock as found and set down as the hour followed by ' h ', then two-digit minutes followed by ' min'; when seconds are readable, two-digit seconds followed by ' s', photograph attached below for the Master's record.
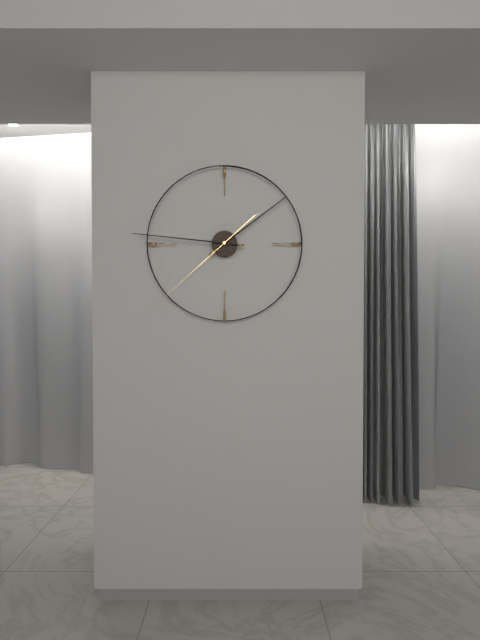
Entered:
1 h 46 min 38 s
